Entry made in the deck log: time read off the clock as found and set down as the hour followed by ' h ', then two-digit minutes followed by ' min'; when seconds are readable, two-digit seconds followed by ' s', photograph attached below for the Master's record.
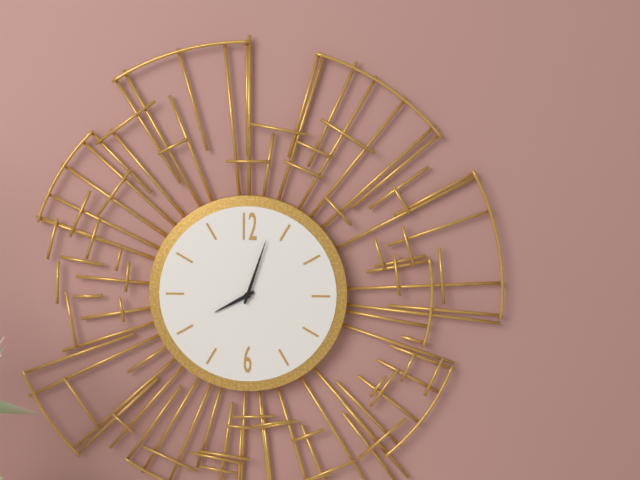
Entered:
8 h 03 min
